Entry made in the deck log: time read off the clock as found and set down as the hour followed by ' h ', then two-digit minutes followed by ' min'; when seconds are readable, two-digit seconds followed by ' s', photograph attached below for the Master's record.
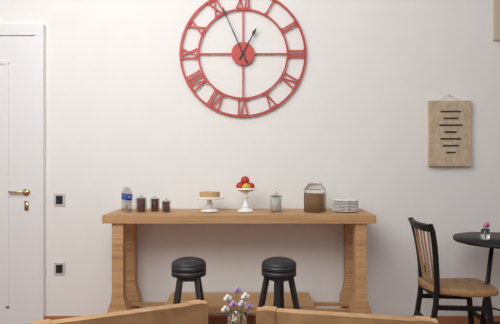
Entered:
12 h 56 min
